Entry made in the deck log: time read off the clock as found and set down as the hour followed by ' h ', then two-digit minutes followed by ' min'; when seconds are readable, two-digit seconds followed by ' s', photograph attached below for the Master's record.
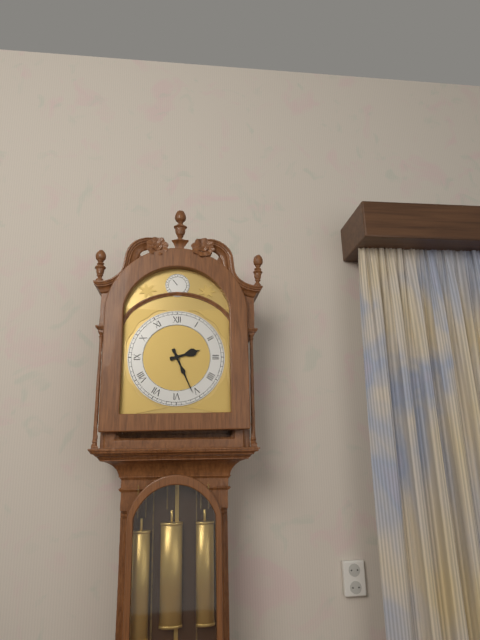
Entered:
2 h 26 min
